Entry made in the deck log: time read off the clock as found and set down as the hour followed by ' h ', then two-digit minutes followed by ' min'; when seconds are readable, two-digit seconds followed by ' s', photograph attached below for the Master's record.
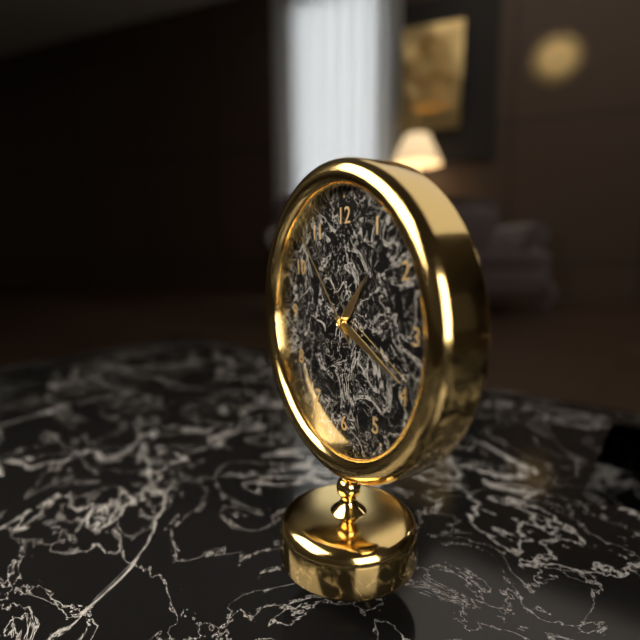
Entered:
1 h 19 min 53 s
